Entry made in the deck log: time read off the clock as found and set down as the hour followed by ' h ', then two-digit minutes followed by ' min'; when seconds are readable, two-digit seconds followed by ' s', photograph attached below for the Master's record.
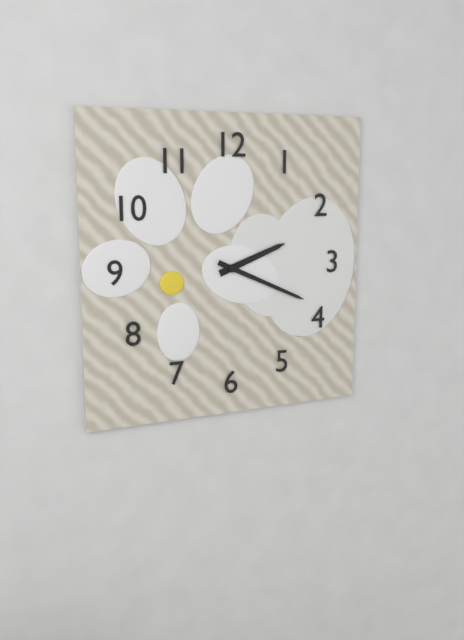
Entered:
2 h 19 min
